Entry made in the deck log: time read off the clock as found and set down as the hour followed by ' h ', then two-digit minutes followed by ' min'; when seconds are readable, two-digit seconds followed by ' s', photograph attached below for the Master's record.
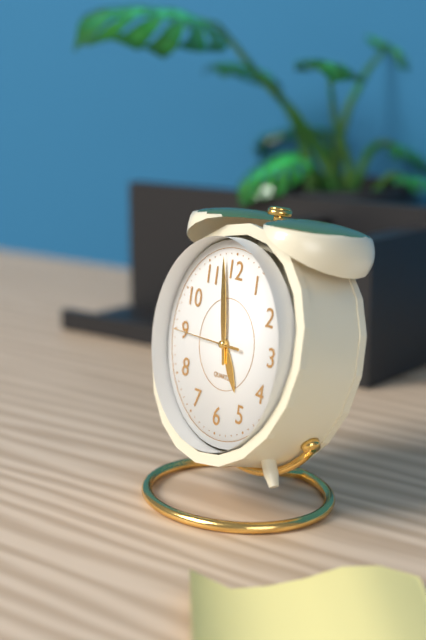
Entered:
4 h 58 min 45 s
